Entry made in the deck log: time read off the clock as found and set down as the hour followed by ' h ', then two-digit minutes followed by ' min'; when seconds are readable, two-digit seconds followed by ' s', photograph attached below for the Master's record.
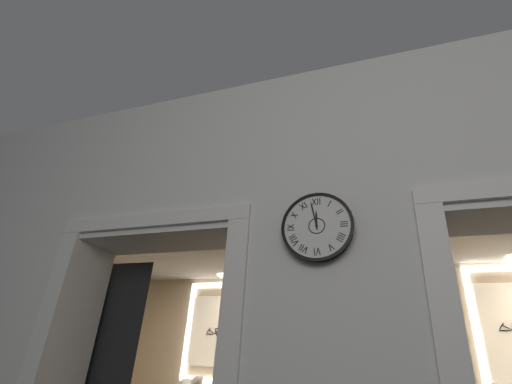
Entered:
11 h 58 min
